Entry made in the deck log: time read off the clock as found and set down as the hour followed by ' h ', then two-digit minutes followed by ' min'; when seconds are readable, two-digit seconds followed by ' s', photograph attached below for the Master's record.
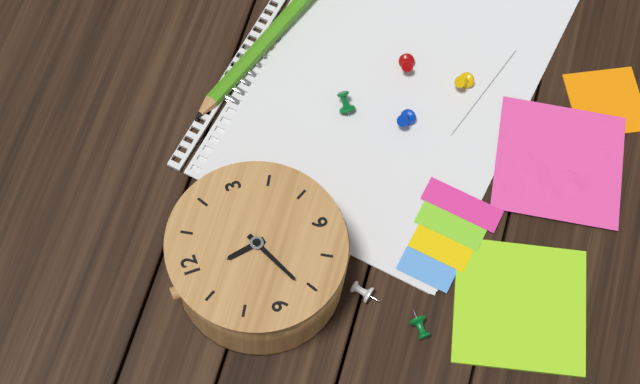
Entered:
11 h 41 min
